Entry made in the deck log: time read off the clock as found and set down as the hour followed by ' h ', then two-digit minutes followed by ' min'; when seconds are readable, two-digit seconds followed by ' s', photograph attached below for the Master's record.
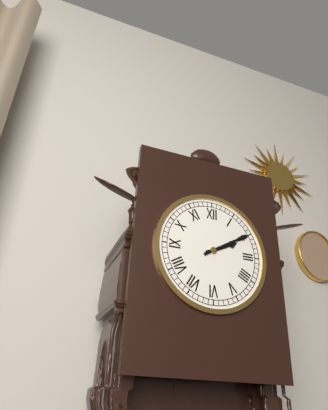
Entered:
2 h 10 min
